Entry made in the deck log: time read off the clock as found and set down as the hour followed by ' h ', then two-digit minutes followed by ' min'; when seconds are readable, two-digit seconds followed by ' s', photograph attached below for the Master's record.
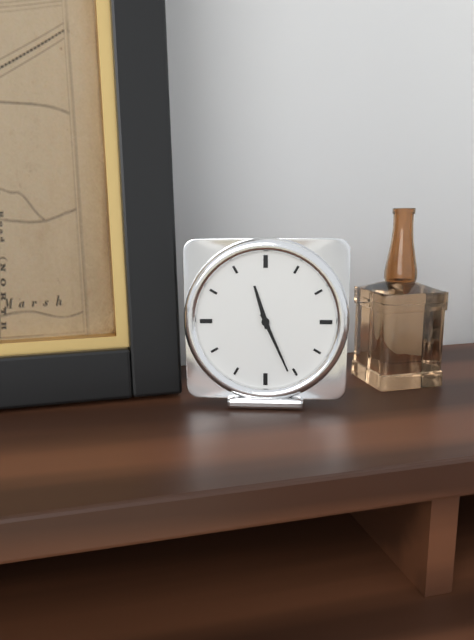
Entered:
11 h 26 min
